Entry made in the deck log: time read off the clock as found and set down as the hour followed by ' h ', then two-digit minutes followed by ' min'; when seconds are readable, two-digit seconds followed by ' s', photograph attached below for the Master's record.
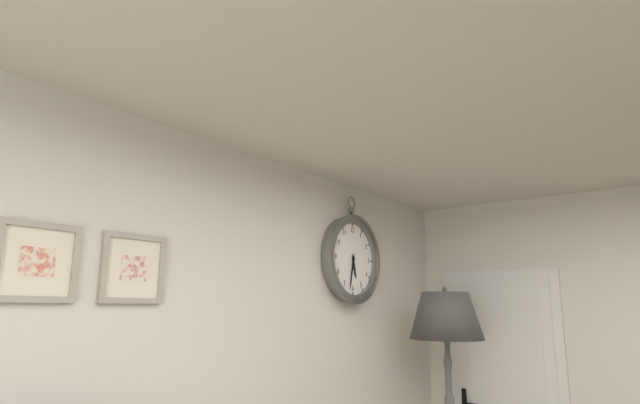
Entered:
5 h 32 min
